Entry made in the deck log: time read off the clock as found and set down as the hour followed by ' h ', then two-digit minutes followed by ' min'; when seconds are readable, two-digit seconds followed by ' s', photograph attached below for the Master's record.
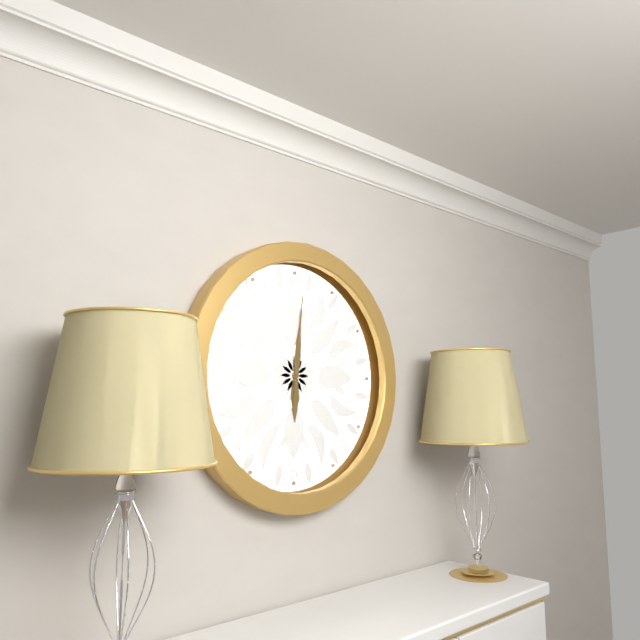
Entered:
6 h 01 min
